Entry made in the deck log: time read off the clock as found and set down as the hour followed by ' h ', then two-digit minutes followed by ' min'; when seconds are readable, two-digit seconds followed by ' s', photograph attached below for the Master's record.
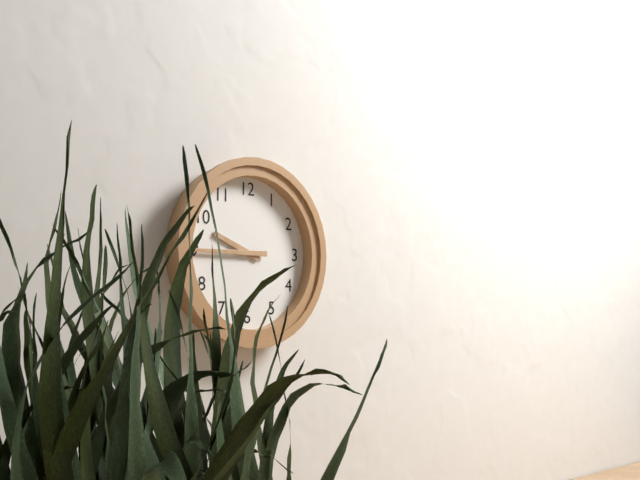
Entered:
9 h 45 min
